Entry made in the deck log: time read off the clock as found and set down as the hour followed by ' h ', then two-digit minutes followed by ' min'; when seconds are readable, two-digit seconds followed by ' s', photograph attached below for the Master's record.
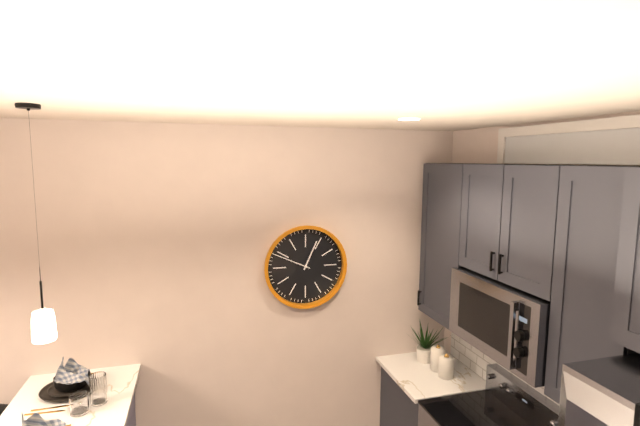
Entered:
12 h 49 min
